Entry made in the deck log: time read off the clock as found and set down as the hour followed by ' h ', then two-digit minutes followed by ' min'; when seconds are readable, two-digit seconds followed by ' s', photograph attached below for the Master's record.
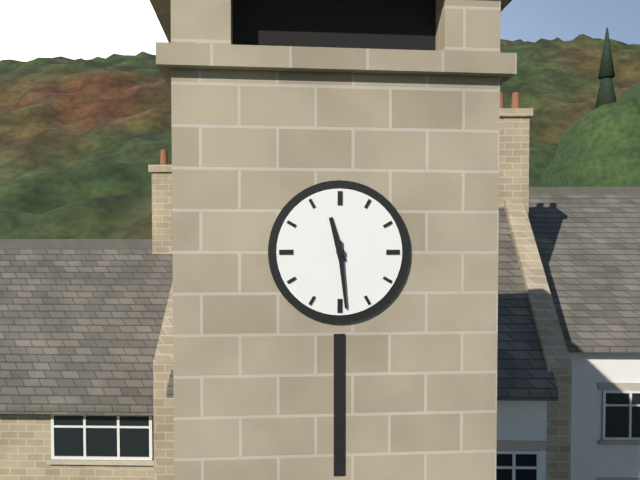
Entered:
11 h 29 min
